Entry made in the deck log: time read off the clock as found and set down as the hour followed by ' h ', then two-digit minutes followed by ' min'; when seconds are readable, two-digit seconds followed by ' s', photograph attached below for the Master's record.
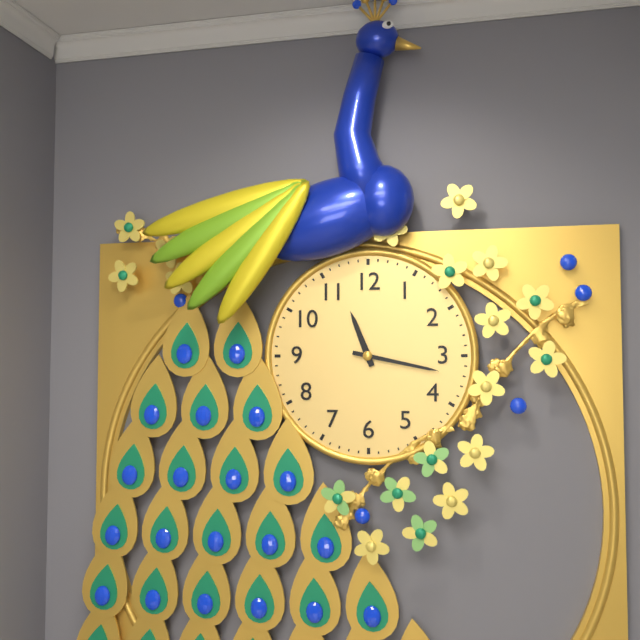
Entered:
11 h 17 min
